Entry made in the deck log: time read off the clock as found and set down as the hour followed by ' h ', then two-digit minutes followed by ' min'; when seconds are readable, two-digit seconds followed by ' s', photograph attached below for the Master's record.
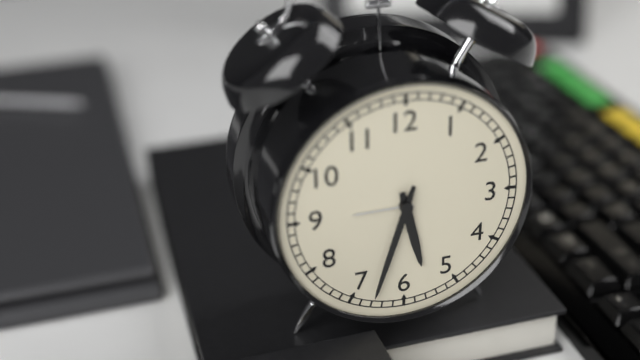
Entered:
5 h 33 min
